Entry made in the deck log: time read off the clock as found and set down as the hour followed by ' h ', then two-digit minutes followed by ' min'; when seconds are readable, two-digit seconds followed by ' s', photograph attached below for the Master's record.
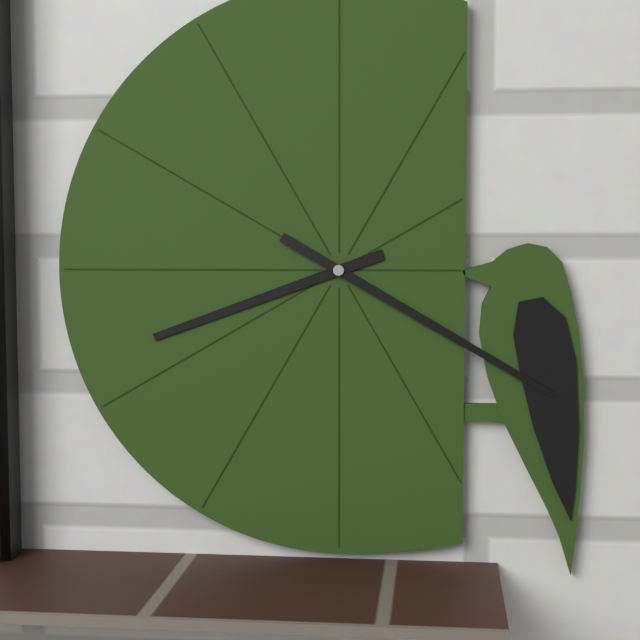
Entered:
8 h 20 min
